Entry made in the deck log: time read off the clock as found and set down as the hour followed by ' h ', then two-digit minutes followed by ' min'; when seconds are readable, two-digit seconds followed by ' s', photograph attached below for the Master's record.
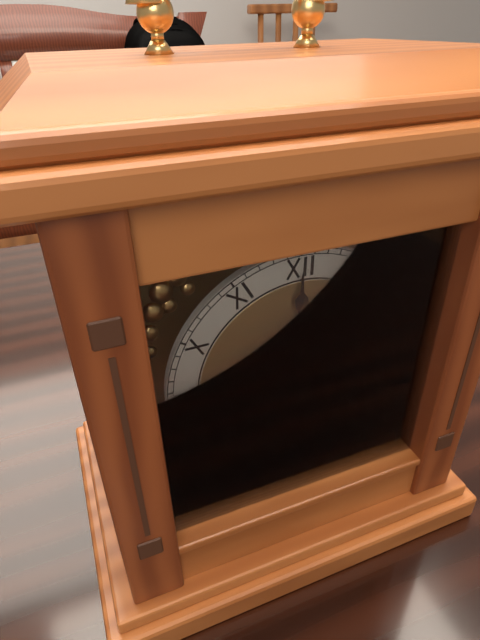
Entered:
9 h 00 min
